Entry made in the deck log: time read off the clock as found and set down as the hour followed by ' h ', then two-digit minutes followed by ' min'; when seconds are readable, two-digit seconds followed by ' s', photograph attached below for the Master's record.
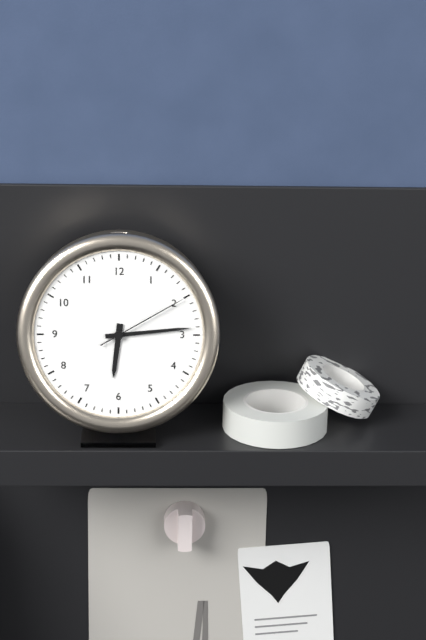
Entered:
6 h 14 min 10 s
